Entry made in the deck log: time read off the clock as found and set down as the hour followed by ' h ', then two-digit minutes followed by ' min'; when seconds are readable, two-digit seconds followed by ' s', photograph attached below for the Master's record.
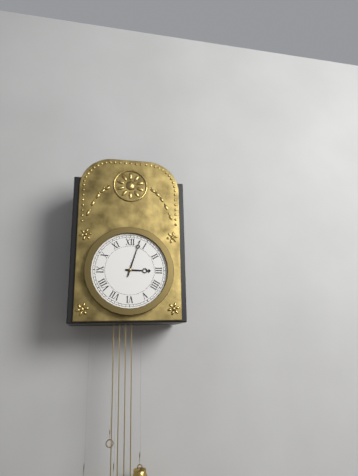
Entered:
3 h 03 min
